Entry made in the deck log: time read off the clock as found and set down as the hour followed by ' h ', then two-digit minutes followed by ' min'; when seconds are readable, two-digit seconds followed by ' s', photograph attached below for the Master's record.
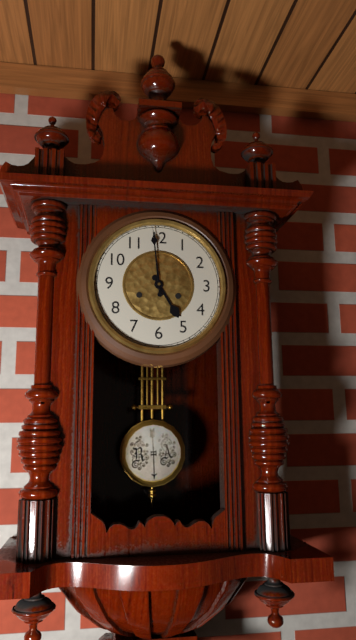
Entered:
4 h 59 min
